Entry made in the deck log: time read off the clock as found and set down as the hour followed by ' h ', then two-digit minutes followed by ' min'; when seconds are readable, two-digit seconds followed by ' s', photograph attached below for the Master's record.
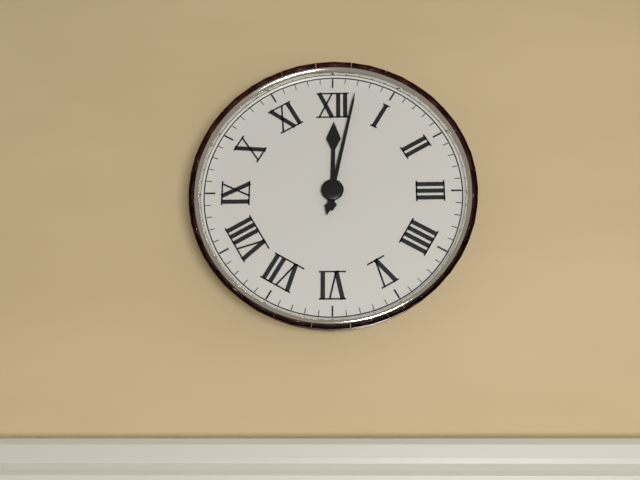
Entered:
12 h 02 min
